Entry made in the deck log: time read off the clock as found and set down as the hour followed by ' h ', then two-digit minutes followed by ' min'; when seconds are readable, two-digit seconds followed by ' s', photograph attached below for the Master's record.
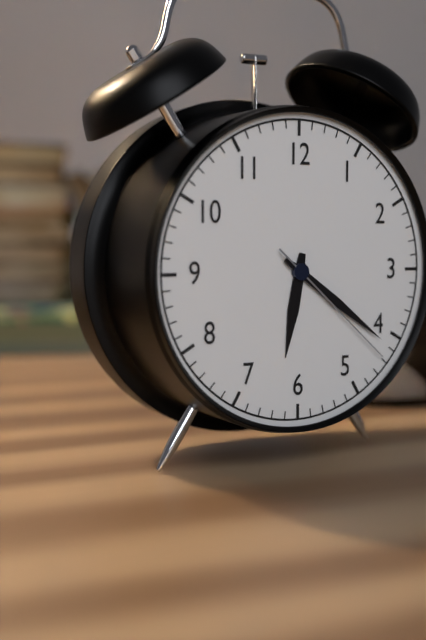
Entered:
6 h 21 min 22 s
